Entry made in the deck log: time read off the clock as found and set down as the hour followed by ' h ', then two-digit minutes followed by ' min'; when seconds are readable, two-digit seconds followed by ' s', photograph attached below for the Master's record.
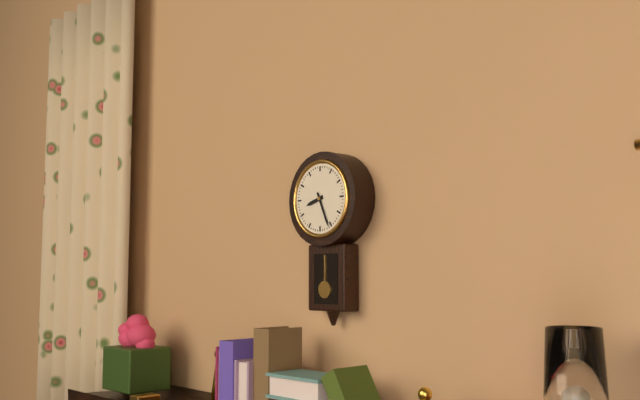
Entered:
8 h 26 min
